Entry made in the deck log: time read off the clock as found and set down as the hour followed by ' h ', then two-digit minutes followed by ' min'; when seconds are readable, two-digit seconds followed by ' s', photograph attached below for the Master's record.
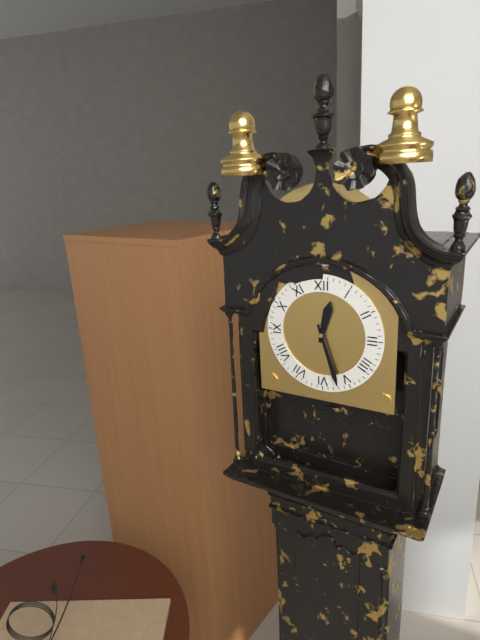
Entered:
12 h 27 min
